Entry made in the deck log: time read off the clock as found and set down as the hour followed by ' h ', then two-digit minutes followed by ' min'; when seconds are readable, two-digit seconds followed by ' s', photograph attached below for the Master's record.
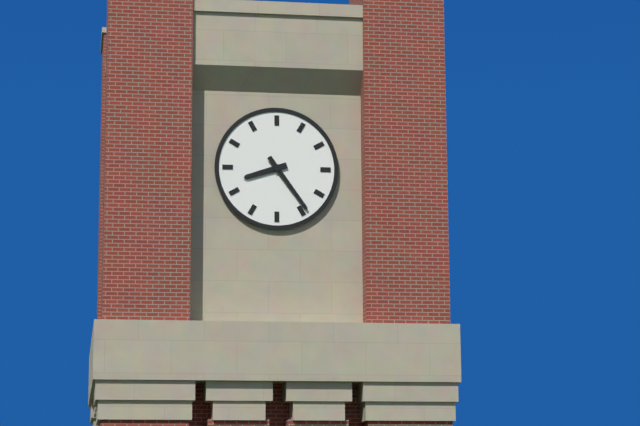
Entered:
8 h 24 min
